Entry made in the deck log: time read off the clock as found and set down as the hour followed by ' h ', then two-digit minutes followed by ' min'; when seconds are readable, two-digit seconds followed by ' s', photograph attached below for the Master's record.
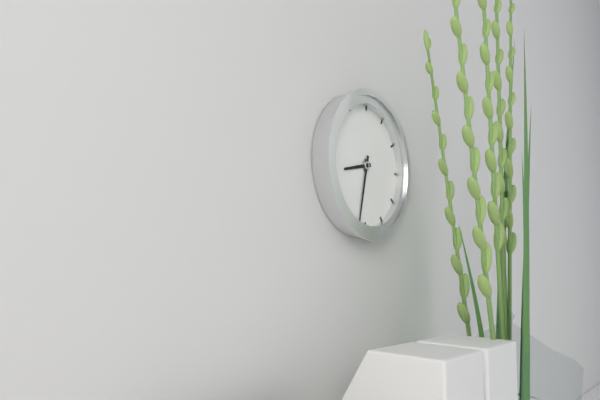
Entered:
8 h 32 min
